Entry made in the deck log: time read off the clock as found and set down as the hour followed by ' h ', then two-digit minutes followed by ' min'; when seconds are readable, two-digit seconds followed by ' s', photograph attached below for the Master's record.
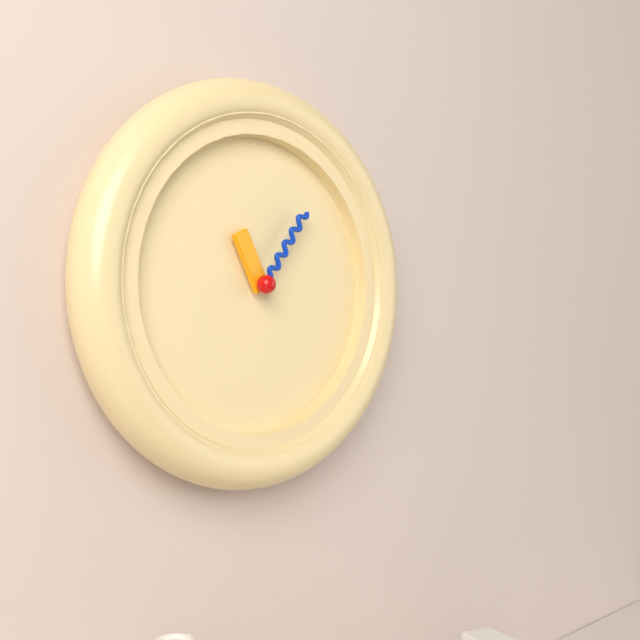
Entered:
11 h 06 min
